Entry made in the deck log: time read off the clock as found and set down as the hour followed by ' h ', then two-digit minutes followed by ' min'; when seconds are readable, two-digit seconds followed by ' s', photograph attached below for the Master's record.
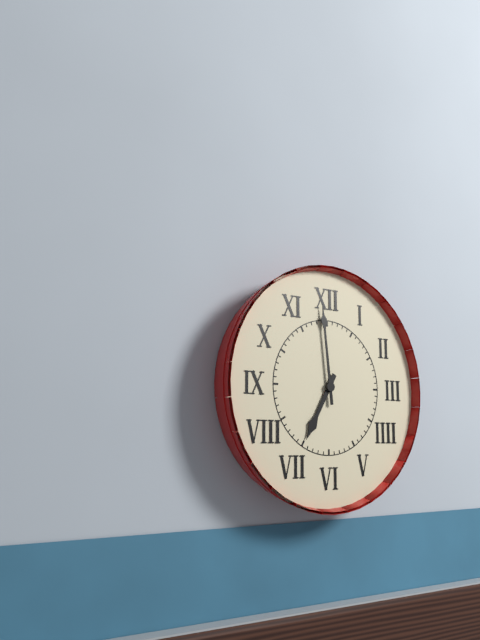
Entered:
6 h 59 min
